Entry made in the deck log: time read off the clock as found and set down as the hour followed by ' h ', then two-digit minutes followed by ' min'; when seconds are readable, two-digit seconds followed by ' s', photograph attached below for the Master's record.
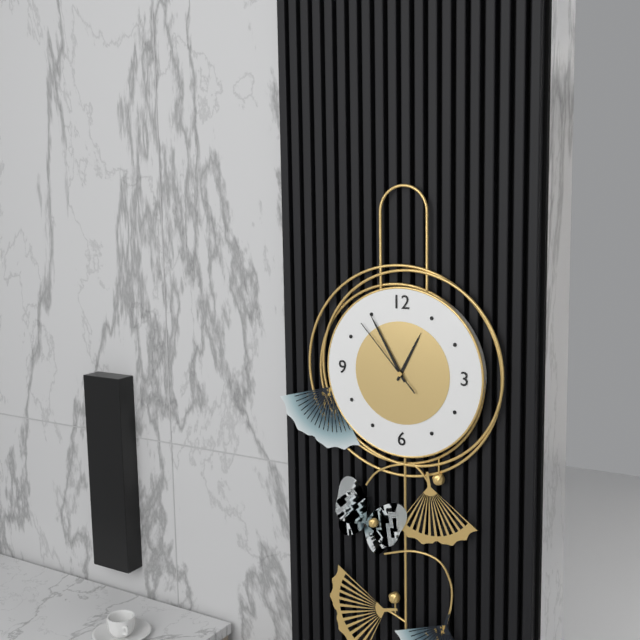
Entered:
12 h 55 min 53 s
